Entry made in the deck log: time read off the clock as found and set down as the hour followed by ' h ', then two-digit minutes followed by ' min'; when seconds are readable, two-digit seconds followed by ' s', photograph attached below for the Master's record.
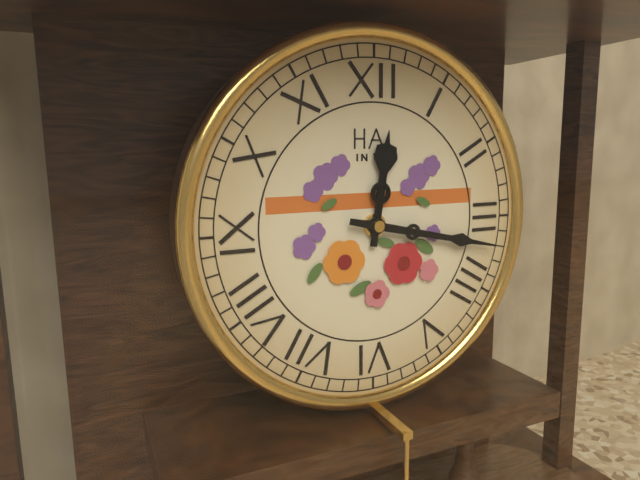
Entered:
12 h 17 min
